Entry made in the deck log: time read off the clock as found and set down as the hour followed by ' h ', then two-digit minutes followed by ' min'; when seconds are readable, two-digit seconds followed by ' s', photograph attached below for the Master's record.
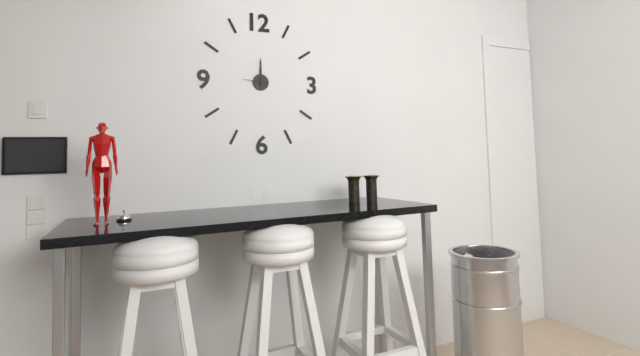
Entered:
12 h 00 min
